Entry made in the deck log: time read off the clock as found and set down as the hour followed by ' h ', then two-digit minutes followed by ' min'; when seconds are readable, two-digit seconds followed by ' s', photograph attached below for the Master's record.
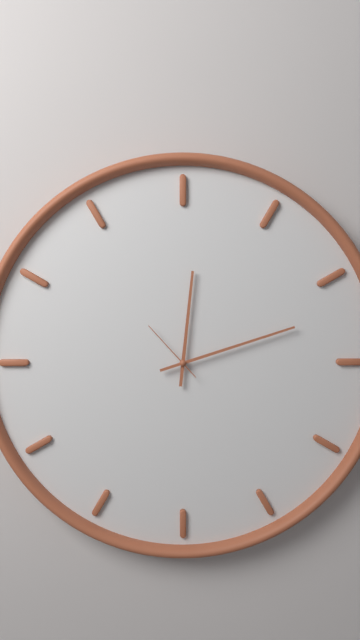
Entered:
12 h 12 min 53 s
